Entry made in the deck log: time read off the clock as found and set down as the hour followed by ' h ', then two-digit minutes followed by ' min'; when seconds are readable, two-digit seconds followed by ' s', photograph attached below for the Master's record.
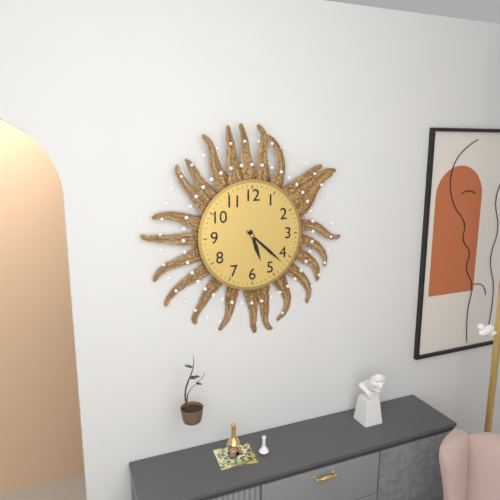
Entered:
5 h 22 min
